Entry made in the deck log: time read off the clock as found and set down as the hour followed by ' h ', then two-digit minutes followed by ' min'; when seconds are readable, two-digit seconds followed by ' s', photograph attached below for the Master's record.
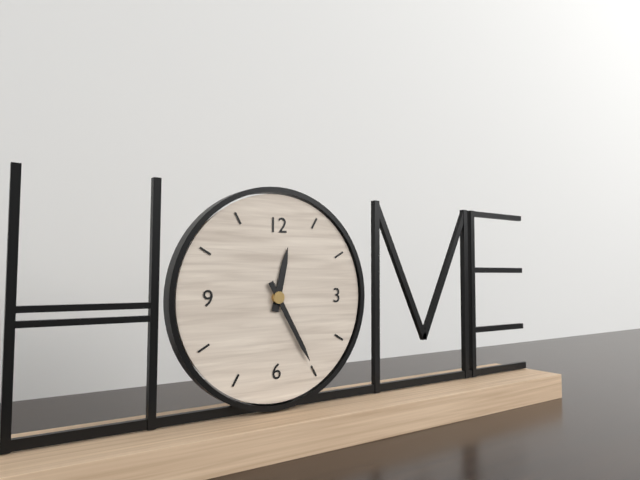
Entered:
12 h 25 min
